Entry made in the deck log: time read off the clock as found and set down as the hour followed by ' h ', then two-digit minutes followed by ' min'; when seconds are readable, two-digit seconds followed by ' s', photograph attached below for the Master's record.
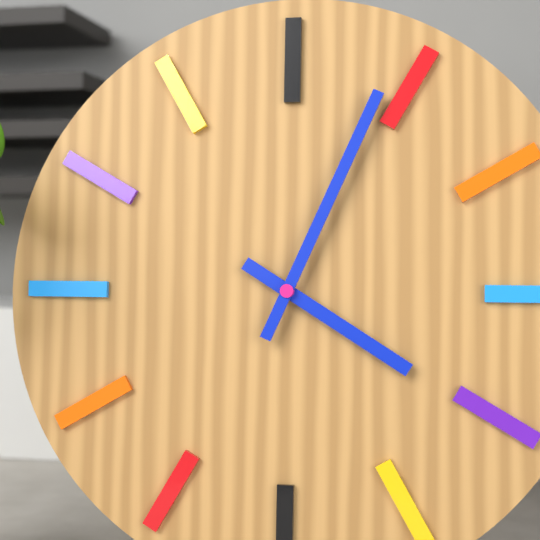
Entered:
4 h 04 min
